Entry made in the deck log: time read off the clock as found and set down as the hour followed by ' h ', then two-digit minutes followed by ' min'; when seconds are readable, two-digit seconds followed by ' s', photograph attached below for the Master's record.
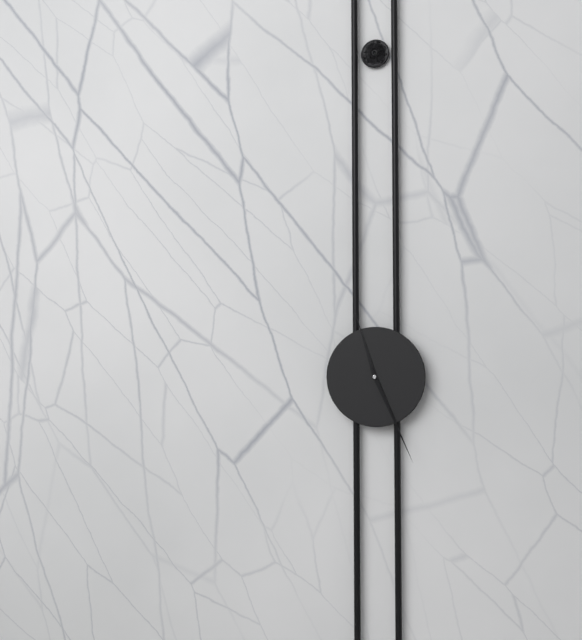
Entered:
11 h 26 min
